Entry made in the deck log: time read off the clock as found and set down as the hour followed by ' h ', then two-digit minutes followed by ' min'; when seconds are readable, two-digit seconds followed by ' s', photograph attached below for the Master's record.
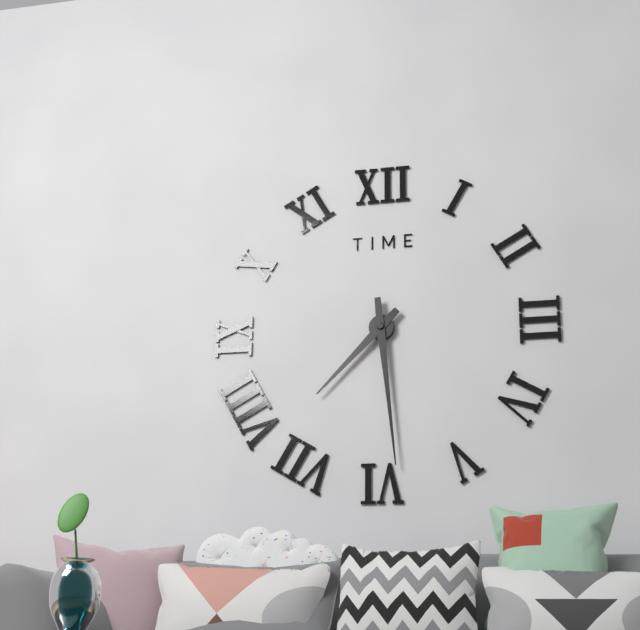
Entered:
7 h 29 min
